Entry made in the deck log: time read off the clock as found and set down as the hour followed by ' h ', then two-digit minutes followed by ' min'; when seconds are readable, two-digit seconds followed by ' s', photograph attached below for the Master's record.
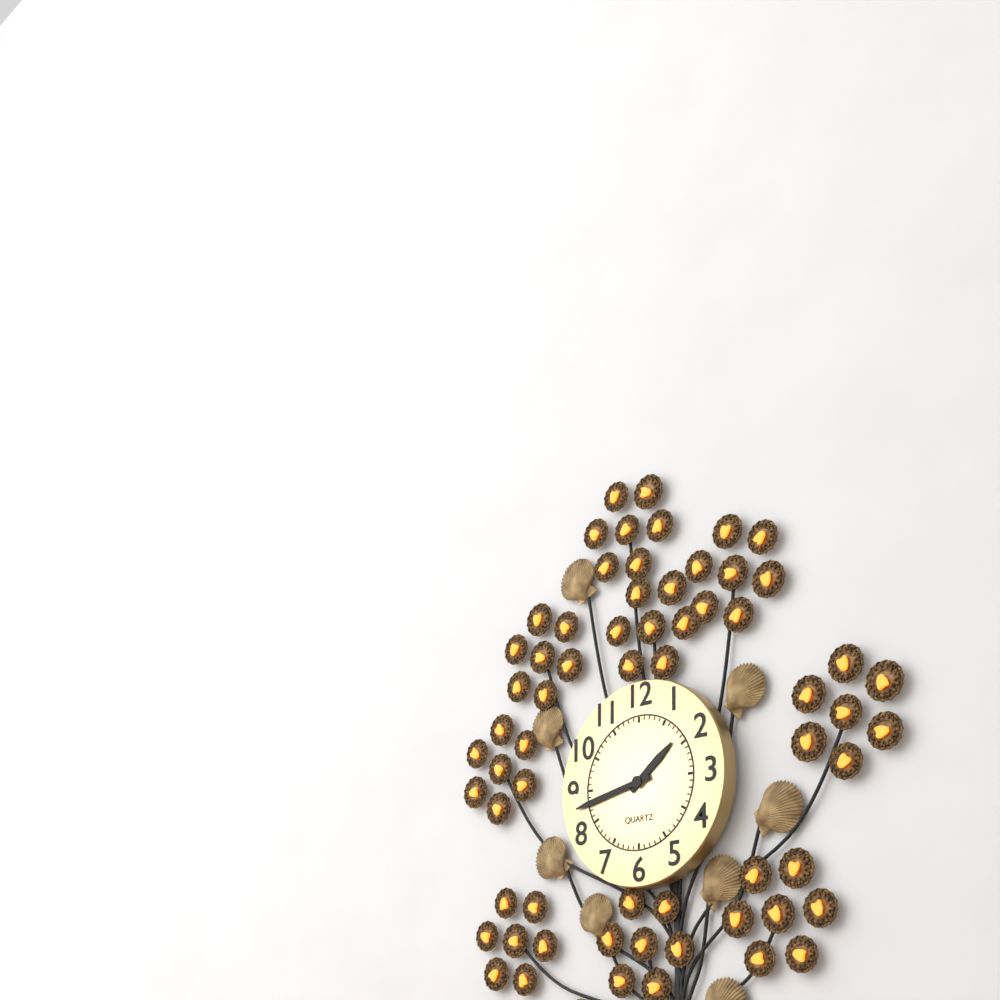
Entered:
1 h 43 min
